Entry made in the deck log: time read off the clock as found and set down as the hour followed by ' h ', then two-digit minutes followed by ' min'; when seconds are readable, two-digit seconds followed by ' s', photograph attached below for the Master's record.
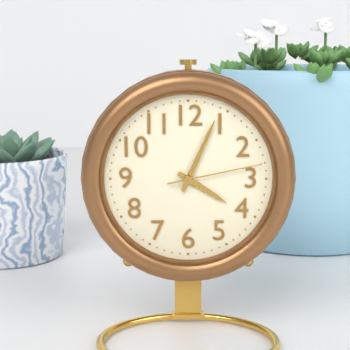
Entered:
4 h 04 min 13 s
